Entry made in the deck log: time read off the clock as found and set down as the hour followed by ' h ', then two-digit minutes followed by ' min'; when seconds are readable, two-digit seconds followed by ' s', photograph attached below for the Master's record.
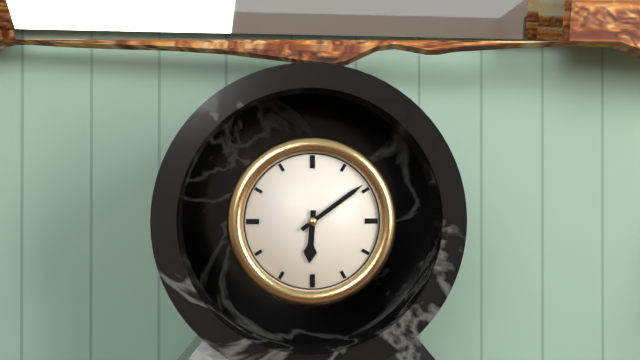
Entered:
6 h 09 min
